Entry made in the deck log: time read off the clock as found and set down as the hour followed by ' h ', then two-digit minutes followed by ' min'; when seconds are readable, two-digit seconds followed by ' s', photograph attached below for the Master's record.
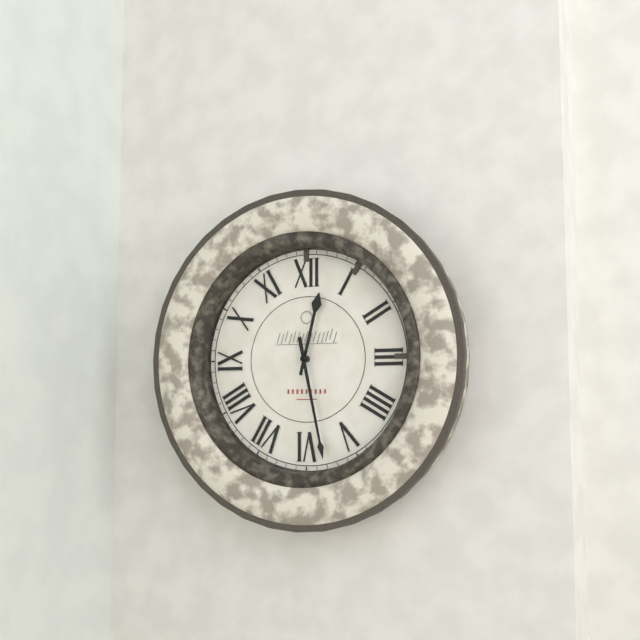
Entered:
12 h 28 min
